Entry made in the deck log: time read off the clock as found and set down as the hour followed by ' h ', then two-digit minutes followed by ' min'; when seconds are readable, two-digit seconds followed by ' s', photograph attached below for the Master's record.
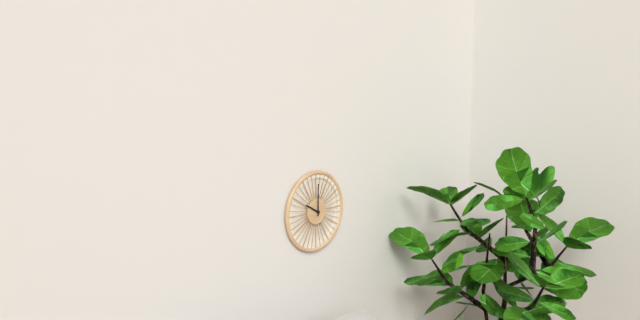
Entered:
10 h 00 min
